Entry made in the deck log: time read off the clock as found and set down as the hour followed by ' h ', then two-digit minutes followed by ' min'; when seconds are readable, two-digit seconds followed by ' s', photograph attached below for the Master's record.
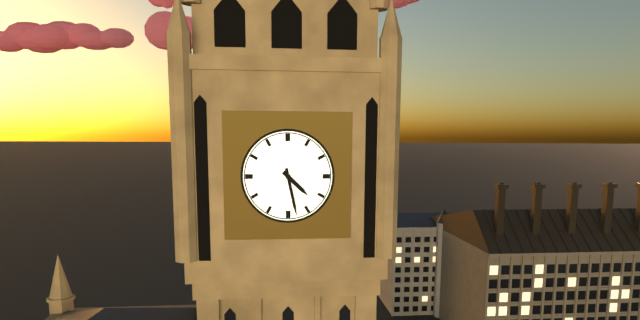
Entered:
4 h 28 min
